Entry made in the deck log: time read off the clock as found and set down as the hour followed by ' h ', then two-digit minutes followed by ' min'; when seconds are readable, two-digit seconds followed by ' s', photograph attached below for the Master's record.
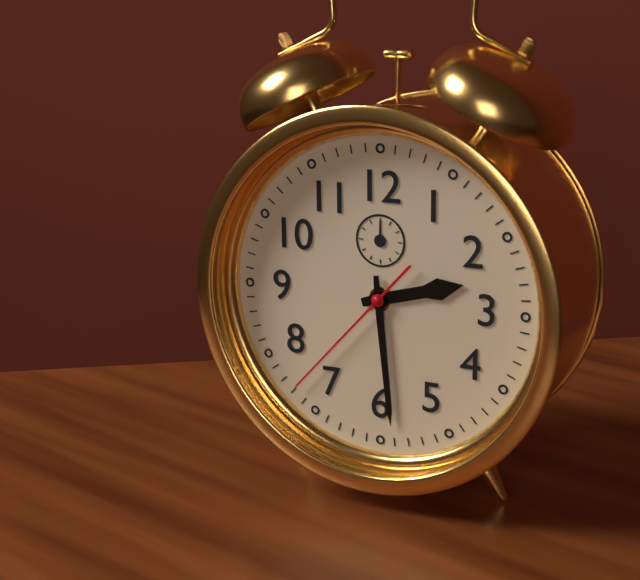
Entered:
2 h 29 min 37 s
